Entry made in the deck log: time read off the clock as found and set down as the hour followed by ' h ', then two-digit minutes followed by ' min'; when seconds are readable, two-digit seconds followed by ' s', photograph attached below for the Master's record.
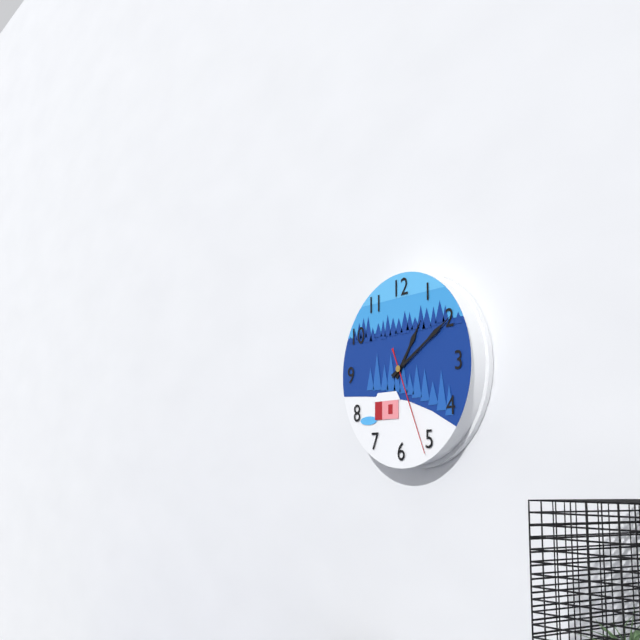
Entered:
1 h 10 min 26 s
